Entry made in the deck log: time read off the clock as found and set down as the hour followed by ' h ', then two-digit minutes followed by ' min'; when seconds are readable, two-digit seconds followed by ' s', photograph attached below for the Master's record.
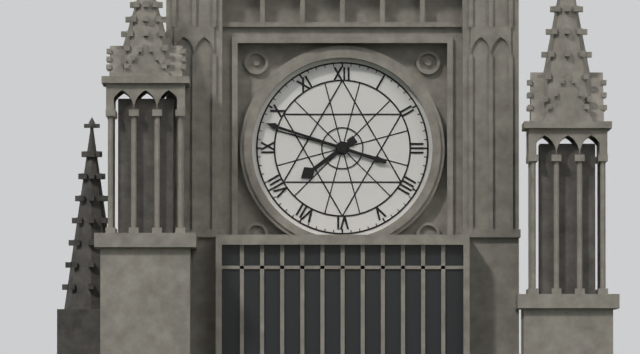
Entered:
7 h 48 min
